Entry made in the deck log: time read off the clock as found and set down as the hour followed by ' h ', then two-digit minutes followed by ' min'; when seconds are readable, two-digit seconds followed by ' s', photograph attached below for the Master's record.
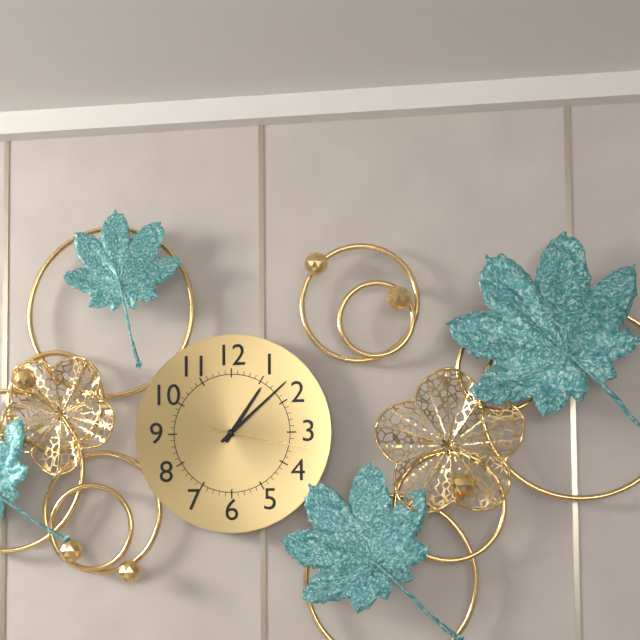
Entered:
1 h 08 min 17 s
